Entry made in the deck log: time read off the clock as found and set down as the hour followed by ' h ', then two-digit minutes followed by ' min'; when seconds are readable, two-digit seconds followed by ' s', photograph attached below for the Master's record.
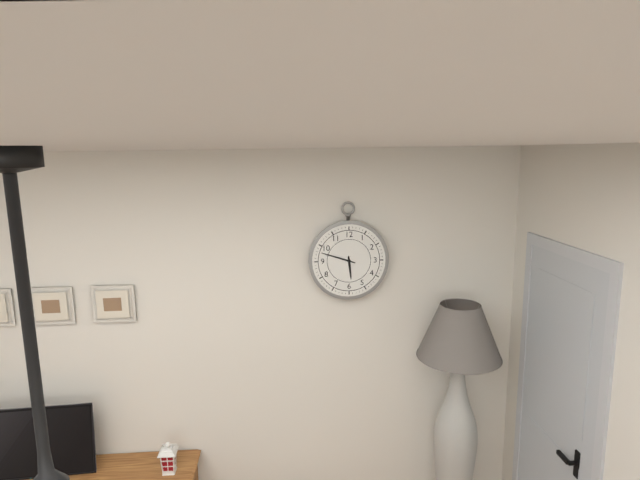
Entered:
5 h 48 min
